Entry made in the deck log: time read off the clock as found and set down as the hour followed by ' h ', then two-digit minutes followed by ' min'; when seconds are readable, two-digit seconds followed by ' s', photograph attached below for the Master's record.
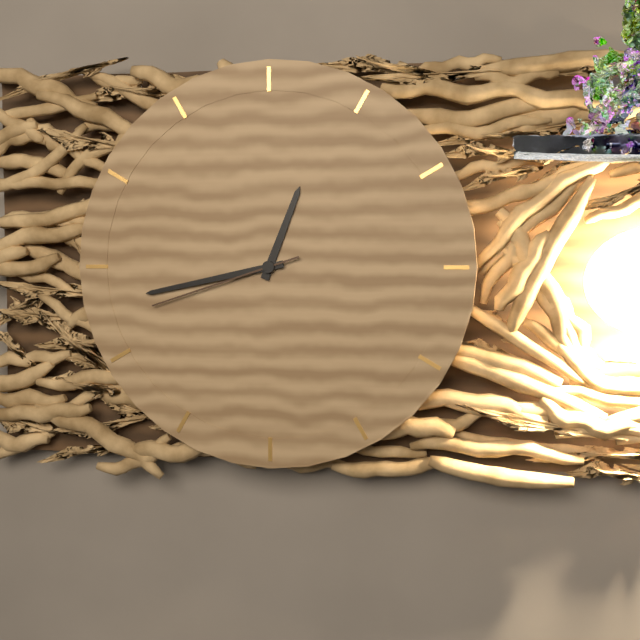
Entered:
12 h 43 min 42 s
